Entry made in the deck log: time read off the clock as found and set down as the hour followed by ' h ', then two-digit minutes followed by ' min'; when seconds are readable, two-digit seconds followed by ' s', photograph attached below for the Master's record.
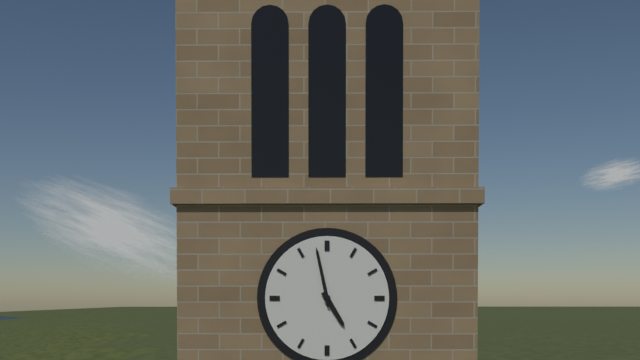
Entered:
4 h 58 min
